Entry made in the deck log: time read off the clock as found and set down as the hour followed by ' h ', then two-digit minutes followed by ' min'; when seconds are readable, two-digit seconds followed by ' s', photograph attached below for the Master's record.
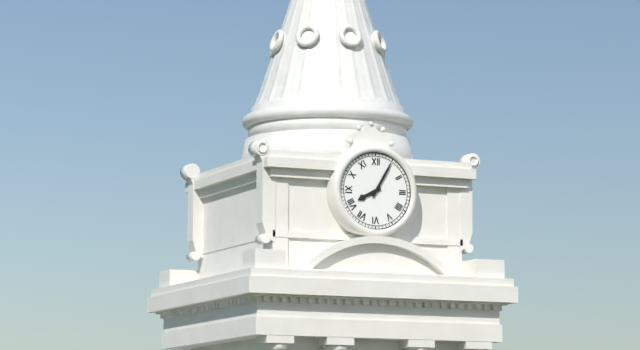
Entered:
8 h 05 min
